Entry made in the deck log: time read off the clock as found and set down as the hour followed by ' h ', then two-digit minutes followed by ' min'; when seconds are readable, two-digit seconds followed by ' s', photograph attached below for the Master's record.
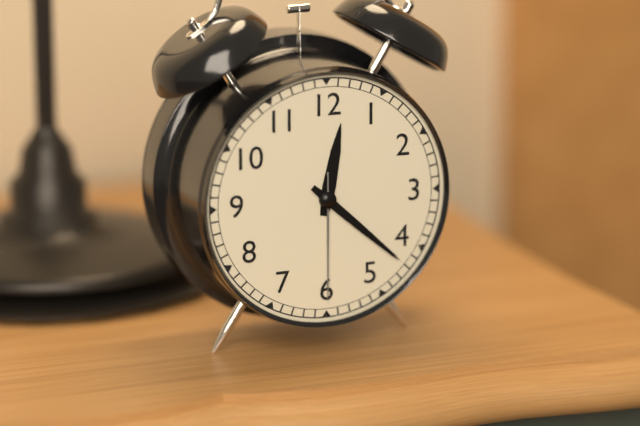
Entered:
12 h 22 min 30 s
